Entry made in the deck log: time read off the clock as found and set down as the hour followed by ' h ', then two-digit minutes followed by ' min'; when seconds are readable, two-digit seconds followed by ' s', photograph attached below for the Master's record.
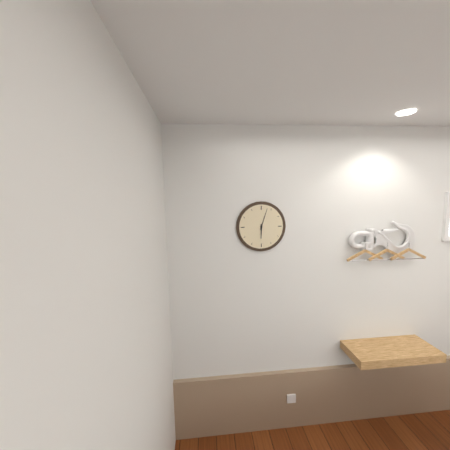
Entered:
6 h 03 min
